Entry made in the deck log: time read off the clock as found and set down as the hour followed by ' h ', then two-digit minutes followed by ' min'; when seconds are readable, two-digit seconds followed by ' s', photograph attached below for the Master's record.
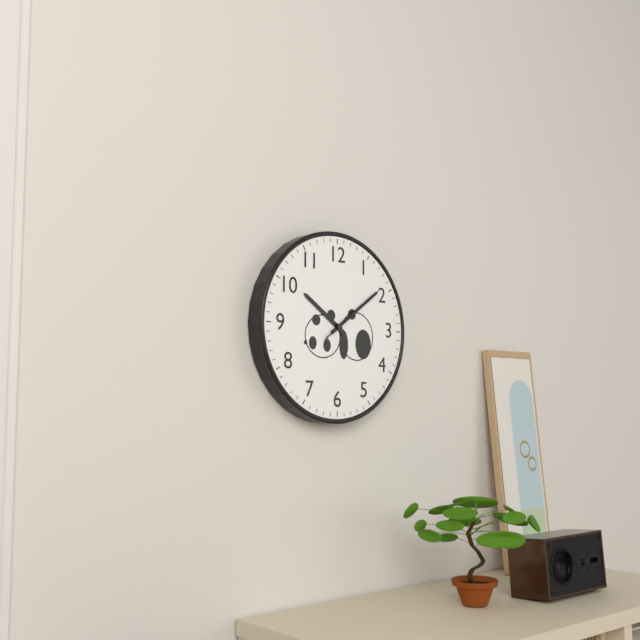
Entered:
10 h 09 min 09 s
